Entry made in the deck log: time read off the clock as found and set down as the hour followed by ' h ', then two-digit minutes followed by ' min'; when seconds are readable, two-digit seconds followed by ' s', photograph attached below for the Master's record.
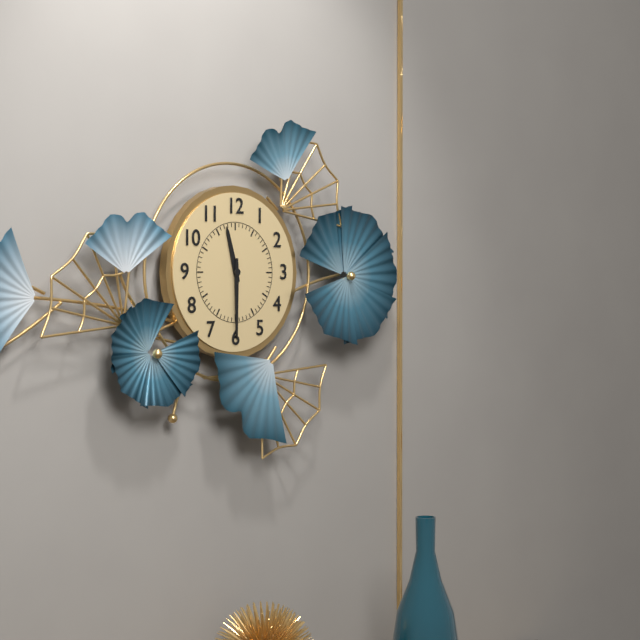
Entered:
11 h 30 min
